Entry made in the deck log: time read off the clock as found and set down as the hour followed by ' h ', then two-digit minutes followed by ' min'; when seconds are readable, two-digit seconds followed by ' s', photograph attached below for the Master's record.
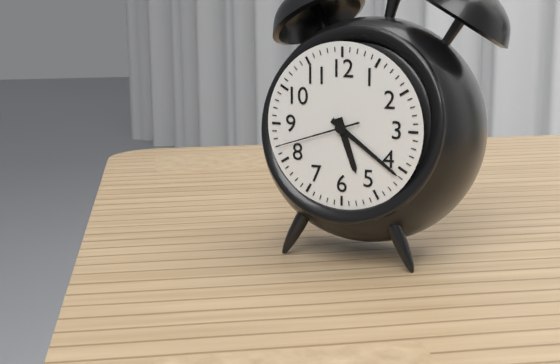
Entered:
5 h 21 min 42 s
